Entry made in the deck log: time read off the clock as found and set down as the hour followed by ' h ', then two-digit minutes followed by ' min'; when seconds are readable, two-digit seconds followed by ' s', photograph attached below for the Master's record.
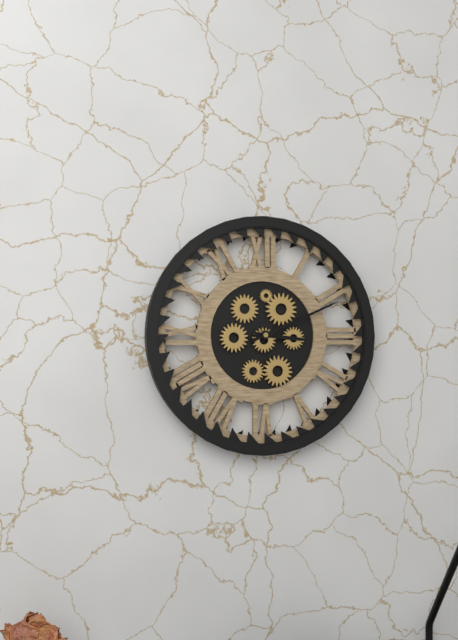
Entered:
3 h 11 min
